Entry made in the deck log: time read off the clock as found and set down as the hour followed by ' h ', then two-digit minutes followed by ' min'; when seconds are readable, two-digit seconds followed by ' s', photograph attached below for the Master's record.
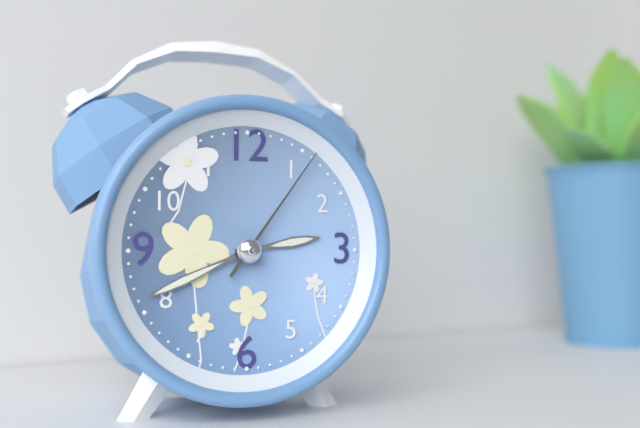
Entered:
2 h 41 min 06 s
